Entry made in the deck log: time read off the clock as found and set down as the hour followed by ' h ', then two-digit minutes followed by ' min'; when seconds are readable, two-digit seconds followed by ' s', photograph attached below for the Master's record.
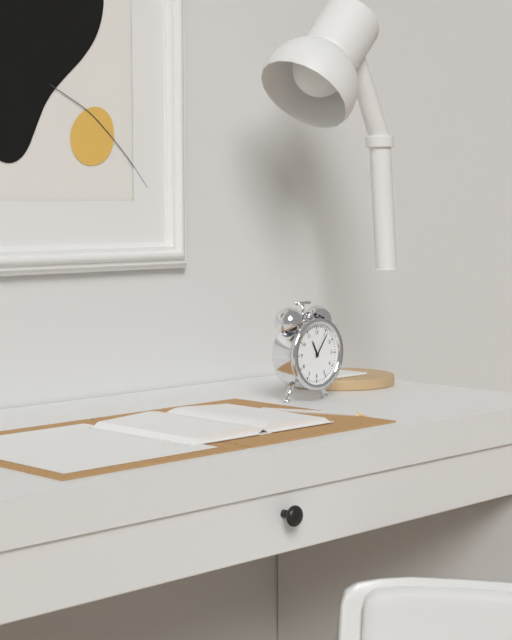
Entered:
11 h 06 min
